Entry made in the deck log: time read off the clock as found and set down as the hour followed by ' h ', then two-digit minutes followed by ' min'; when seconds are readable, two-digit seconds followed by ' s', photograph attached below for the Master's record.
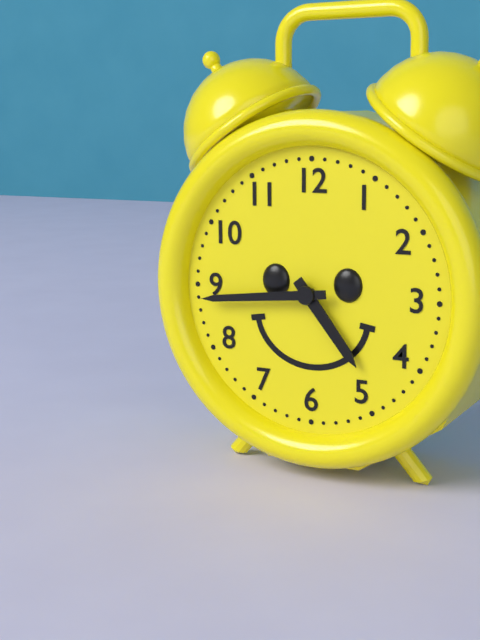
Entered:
4 h 44 min
